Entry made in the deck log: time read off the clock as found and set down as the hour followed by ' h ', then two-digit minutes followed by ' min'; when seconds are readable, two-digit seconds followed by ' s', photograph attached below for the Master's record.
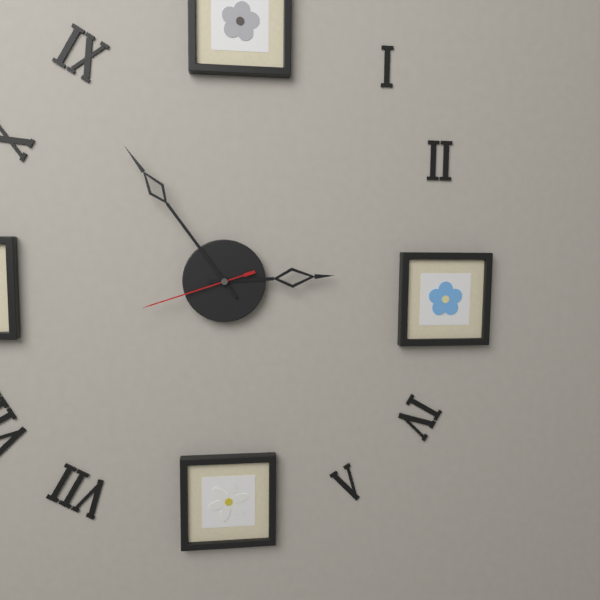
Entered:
2 h 54 min 42 s
